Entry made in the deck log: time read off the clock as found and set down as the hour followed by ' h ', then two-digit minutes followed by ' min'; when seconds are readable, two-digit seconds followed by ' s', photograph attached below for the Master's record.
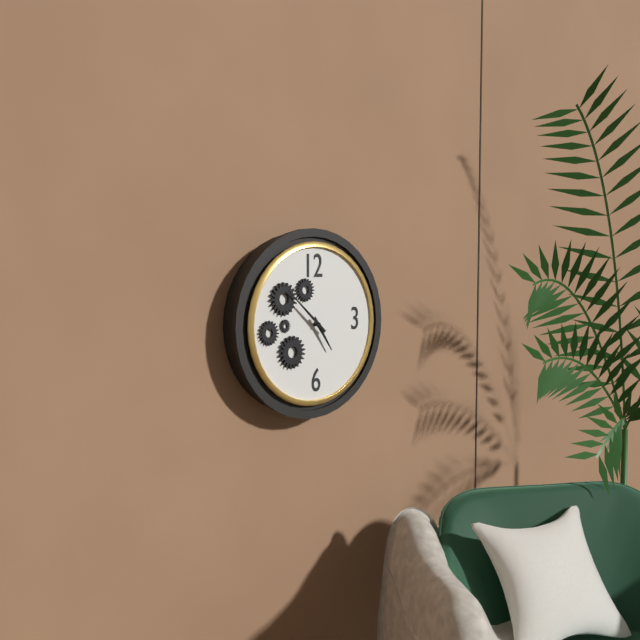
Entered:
4 h 52 min
